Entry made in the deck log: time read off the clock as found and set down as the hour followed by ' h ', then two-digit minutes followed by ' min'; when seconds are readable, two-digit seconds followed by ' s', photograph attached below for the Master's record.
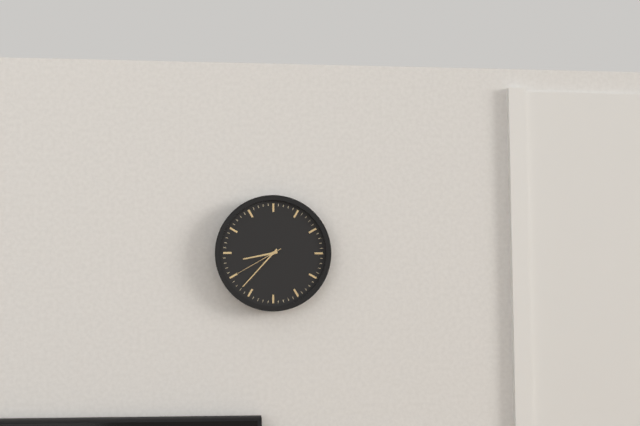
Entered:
8 h 37 min 40 s
